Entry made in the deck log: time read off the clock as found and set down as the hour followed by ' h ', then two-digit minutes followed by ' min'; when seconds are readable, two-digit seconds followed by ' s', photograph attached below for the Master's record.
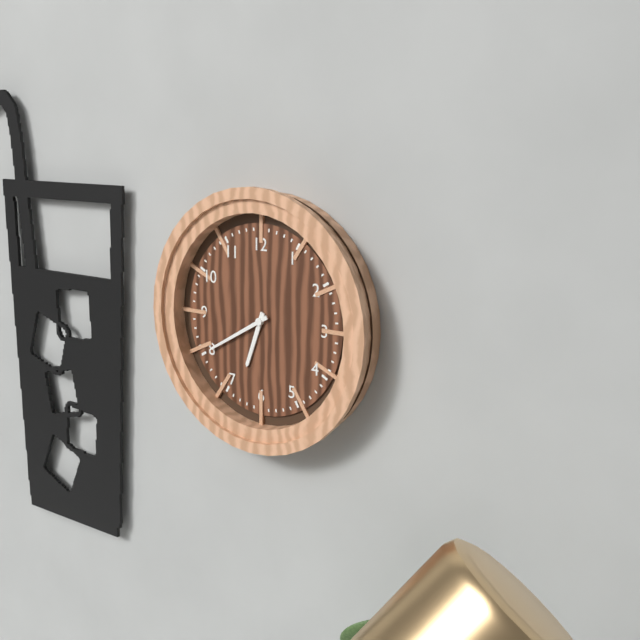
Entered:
6 h 40 min
